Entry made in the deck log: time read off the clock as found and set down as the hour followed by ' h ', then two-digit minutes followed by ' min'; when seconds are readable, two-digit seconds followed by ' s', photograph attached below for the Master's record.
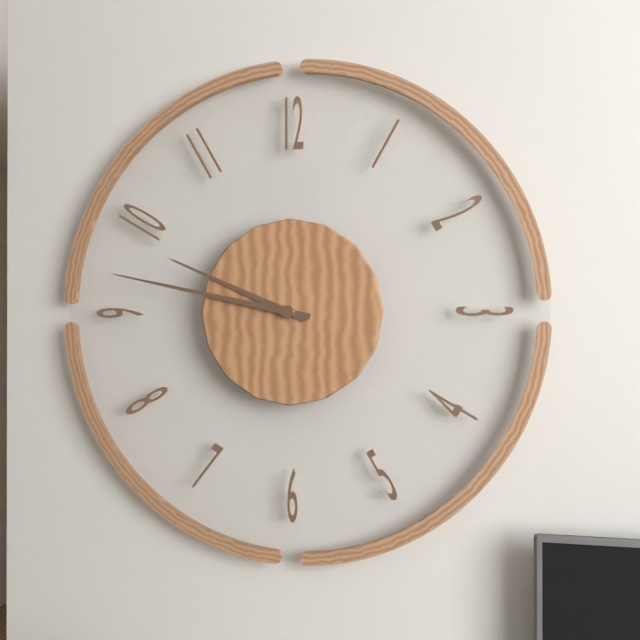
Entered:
9 h 47 min
